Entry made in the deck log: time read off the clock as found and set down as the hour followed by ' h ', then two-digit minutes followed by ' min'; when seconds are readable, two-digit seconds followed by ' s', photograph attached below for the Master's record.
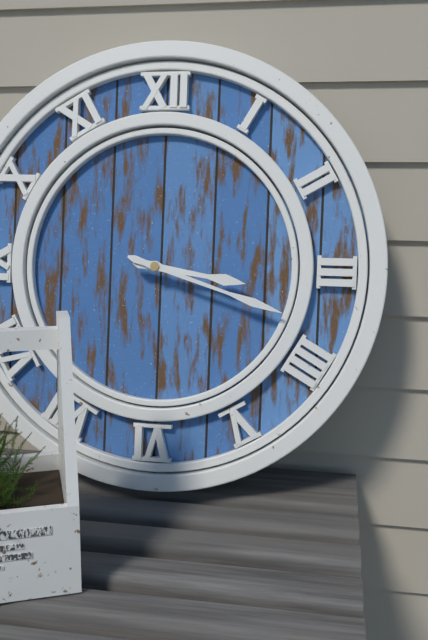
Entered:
3 h 18 min
